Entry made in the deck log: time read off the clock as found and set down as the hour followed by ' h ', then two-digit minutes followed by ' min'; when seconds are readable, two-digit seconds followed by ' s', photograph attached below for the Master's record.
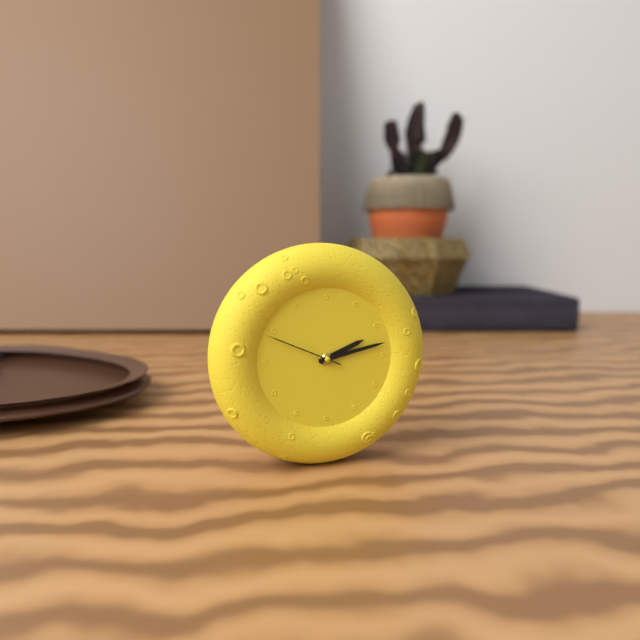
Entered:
2 h 13 min 49 s
